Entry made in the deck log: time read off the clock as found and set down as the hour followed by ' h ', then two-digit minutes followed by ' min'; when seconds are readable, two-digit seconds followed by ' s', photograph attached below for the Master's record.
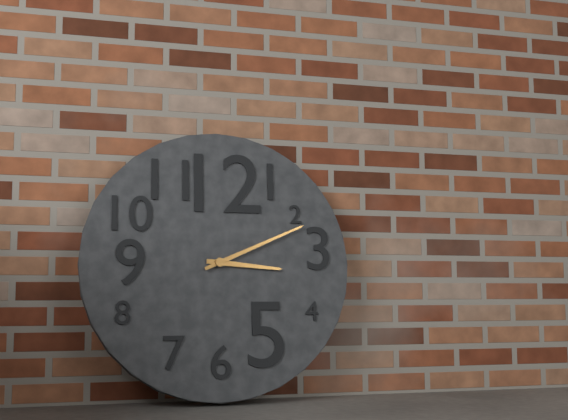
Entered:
3 h 11 min
